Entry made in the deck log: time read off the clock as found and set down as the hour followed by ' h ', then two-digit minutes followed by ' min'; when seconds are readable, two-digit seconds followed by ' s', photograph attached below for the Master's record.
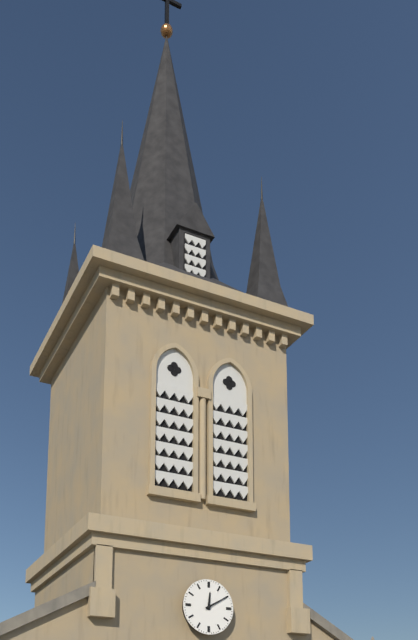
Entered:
12 h 10 min
